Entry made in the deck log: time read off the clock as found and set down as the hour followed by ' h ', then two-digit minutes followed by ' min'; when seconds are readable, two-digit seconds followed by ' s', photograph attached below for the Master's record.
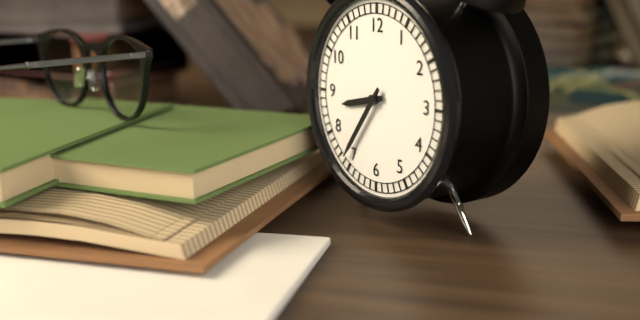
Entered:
8 h 36 min
